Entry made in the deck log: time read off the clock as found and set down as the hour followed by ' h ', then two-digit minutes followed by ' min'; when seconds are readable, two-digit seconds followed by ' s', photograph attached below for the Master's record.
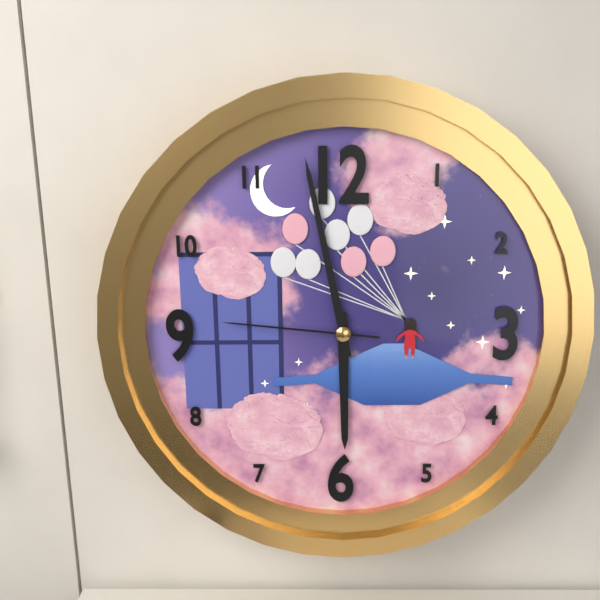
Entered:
5 h 58 min 46 s
